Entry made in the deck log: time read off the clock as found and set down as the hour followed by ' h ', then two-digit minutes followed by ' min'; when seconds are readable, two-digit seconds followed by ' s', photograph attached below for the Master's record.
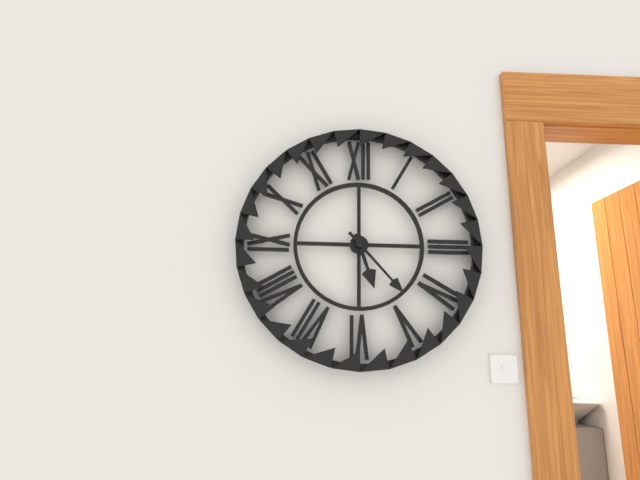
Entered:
5 h 23 min
